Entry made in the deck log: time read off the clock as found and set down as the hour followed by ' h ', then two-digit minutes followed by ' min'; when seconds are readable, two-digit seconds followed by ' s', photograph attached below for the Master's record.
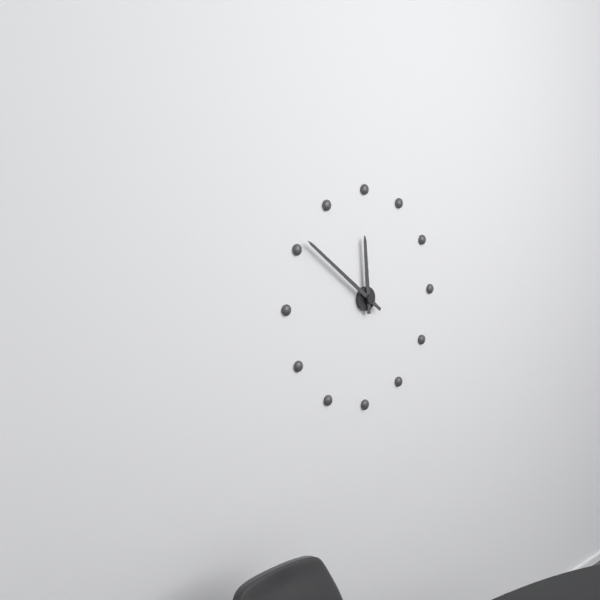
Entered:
11 h 51 min
